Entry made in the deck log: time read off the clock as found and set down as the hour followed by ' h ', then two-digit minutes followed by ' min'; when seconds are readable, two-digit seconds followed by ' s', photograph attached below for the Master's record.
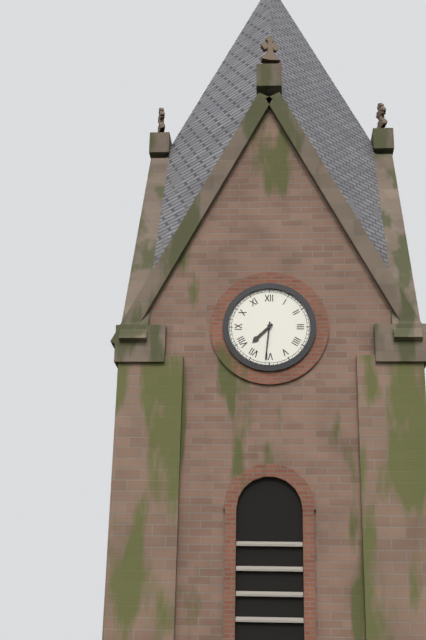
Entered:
7 h 31 min
